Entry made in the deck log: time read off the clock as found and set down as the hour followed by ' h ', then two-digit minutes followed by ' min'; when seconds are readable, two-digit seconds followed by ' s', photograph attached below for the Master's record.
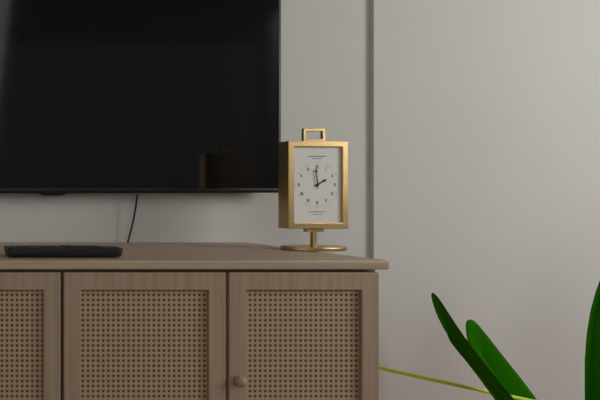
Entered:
1 h 59 min
